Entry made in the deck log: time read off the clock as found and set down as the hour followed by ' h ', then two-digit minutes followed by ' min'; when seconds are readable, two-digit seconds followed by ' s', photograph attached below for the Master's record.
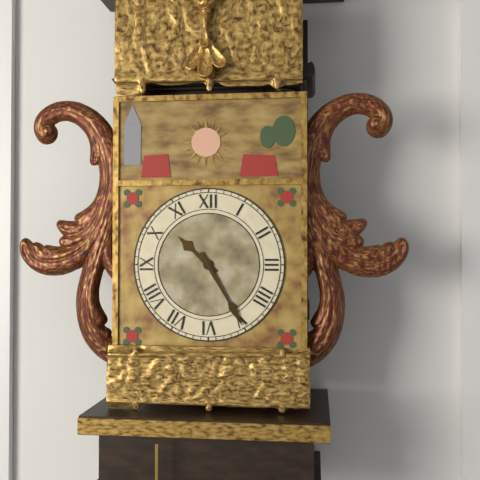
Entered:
10 h 25 min
